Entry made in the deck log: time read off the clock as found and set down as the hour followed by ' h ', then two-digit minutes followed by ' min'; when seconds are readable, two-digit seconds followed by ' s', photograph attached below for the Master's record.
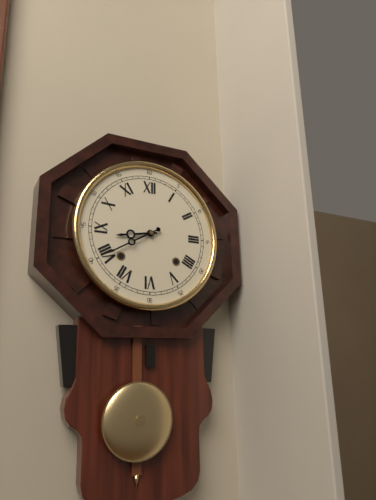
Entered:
8 h 40 min
